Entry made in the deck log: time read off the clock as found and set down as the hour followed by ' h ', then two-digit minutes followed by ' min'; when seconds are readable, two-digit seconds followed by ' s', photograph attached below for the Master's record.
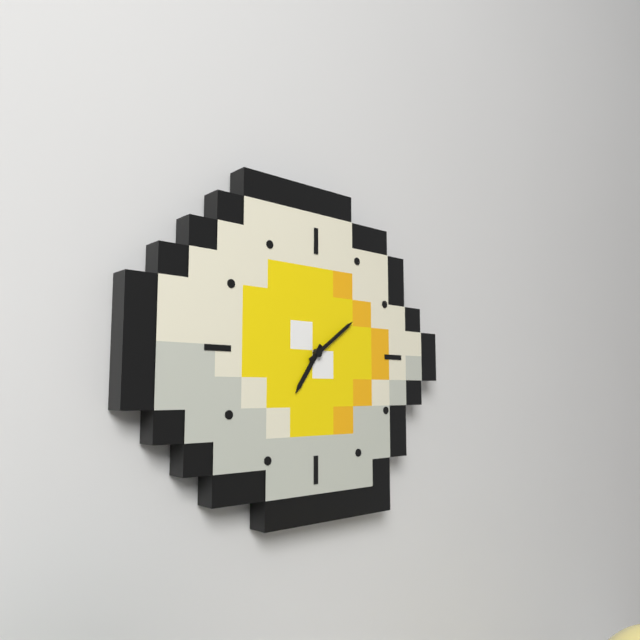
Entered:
7 h 09 min
